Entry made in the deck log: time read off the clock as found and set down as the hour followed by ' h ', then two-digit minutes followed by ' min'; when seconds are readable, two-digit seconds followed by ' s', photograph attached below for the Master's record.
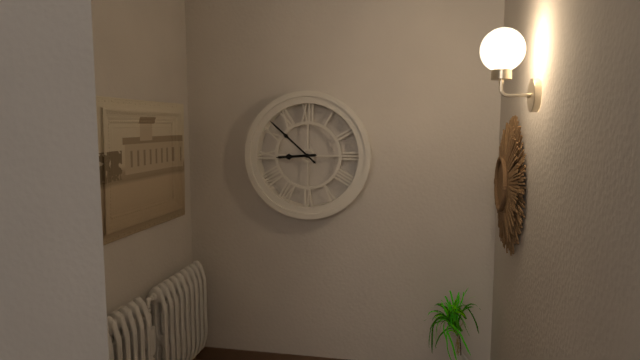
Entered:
8 h 52 min
